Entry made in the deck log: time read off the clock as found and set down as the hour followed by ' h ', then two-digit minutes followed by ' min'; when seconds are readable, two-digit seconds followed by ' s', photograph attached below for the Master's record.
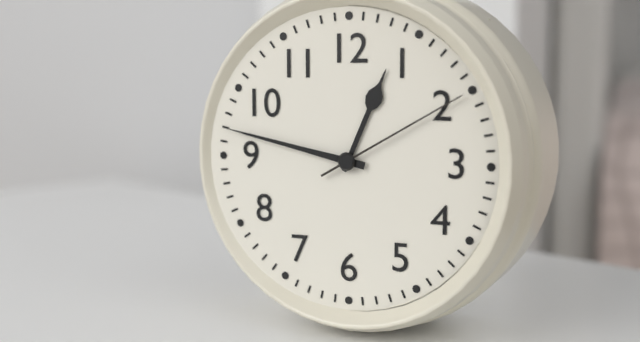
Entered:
12 h 47 min 10 s
